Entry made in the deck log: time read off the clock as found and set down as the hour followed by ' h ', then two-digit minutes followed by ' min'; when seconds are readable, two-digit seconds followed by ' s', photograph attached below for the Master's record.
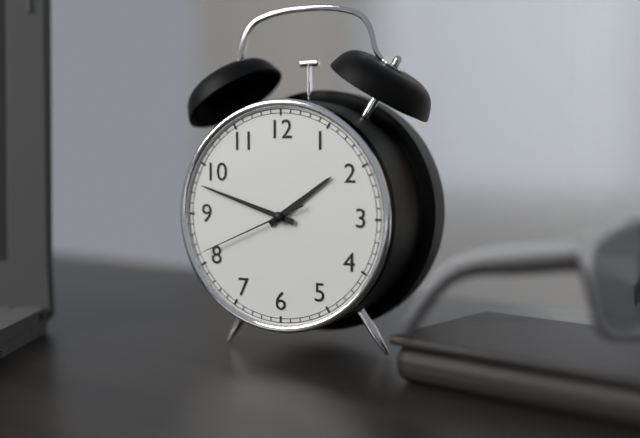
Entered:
1 h 48 min 41 s
